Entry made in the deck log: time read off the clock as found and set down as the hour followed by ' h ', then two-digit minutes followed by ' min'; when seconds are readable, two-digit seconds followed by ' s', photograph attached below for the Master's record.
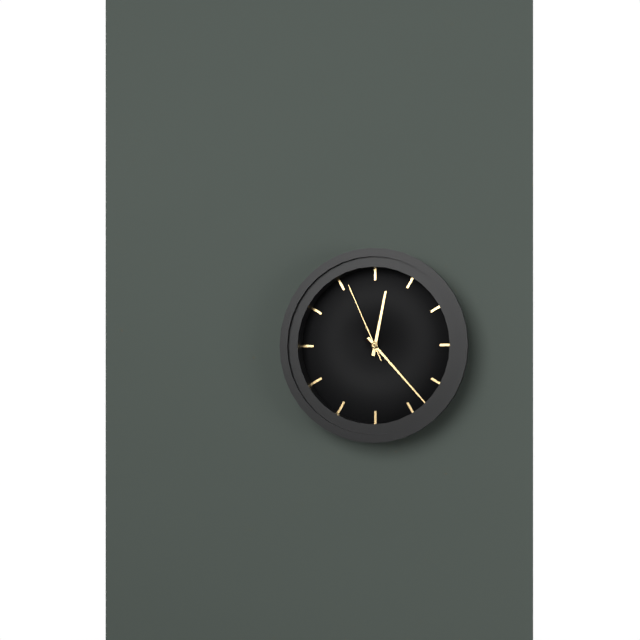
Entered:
12 h 23 min 56 s
